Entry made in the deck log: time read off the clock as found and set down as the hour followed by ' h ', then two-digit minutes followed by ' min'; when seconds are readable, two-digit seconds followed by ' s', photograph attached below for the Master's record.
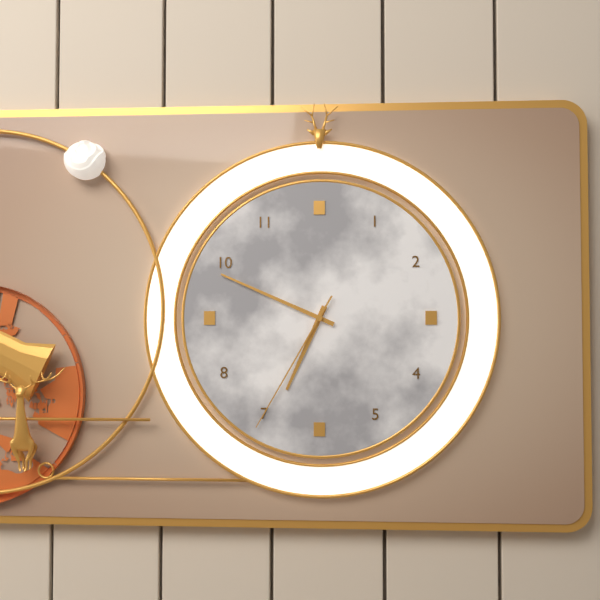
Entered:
6 h 49 min 35 s
